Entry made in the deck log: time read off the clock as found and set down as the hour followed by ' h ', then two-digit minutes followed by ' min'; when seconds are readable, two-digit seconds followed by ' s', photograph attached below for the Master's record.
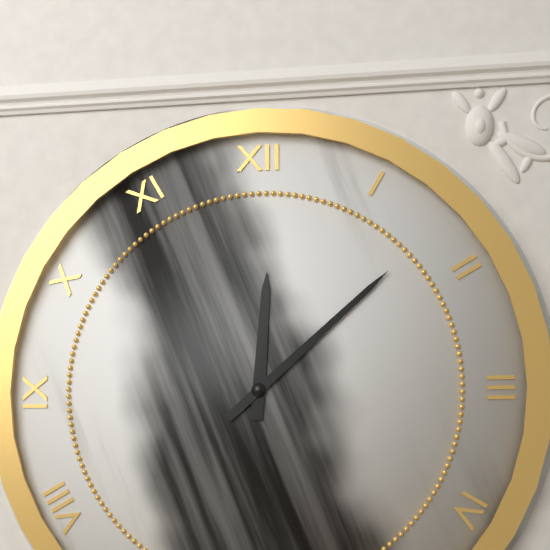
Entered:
12 h 08 min
